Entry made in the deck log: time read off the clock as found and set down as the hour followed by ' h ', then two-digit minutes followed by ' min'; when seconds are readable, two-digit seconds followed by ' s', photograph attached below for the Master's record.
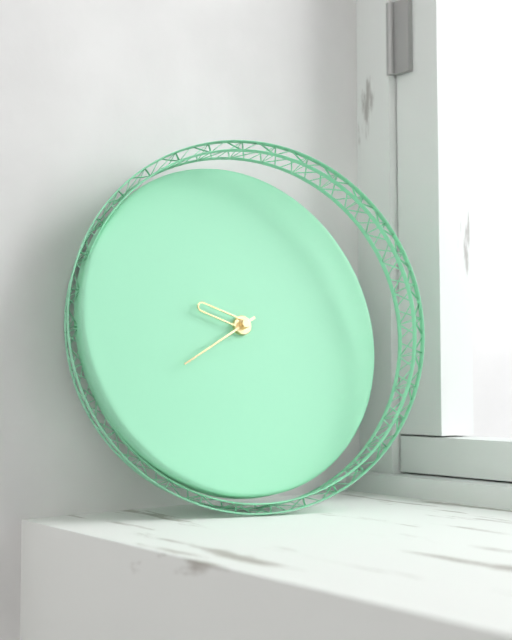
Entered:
9 h 40 min
